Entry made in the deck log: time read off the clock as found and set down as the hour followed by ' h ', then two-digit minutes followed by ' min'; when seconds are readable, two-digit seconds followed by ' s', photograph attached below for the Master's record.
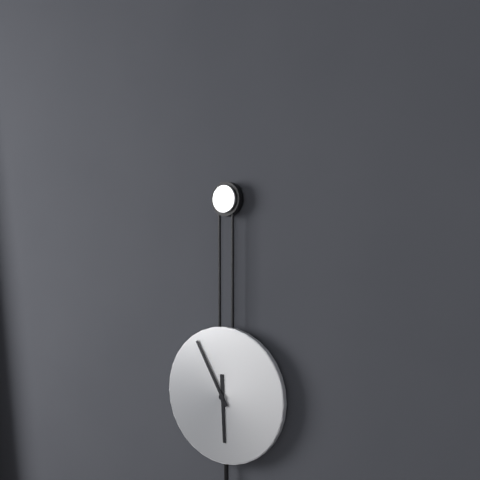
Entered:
5 h 55 min
